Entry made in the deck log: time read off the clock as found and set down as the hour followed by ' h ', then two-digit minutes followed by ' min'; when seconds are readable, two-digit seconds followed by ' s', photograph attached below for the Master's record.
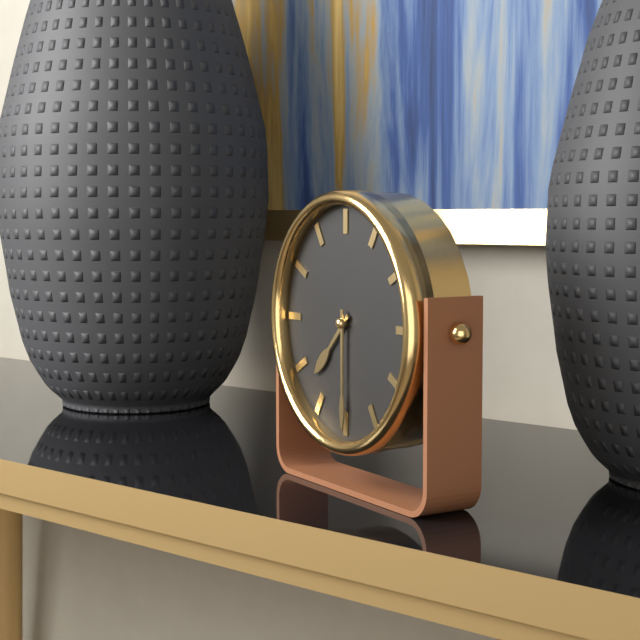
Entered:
7 h 30 min
